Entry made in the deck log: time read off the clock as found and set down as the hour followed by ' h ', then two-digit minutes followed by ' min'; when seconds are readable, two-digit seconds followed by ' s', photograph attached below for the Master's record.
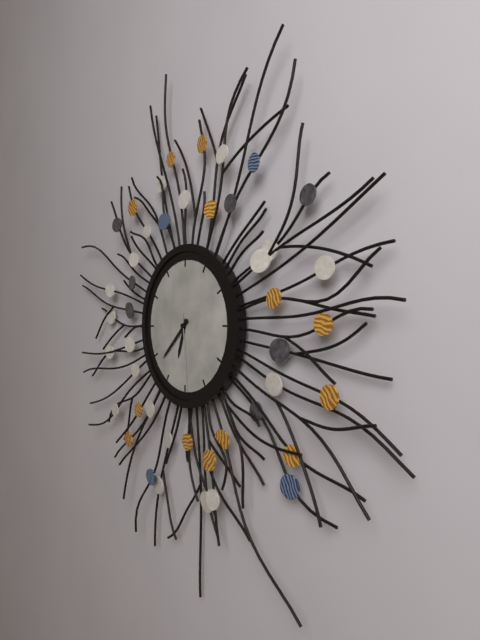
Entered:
6 h 38 min 29 s
